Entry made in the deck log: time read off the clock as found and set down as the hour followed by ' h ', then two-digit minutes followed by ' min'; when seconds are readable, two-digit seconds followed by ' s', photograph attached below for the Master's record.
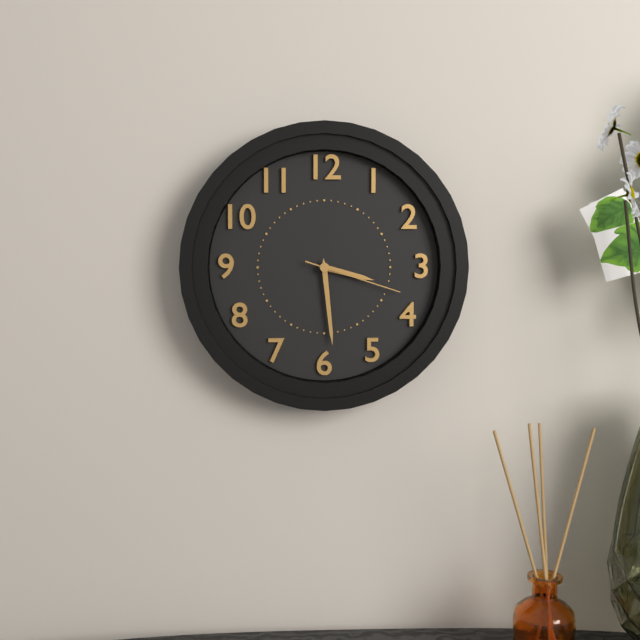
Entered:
3 h 29 min 18 s
